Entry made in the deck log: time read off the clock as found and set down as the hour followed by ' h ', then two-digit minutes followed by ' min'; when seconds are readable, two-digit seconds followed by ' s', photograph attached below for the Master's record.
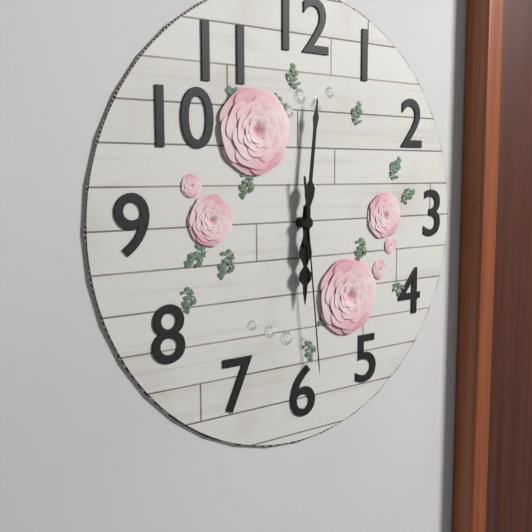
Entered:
6 h 01 min 29 s
